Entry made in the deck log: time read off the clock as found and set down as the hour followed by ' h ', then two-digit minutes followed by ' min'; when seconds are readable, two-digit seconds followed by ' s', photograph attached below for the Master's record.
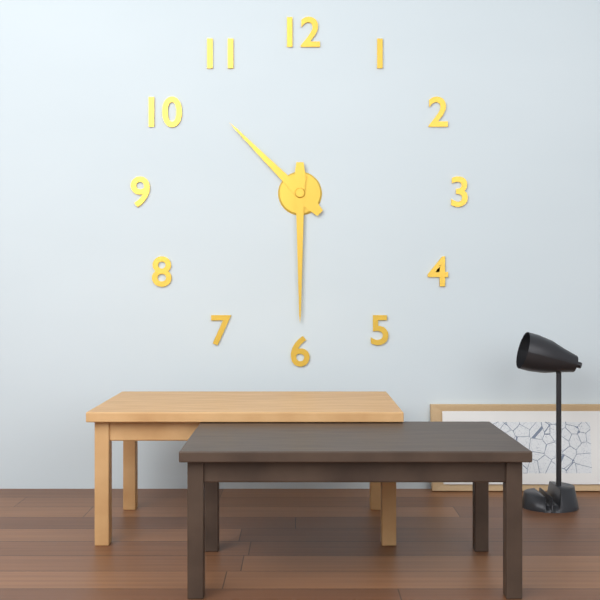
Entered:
10 h 30 min
